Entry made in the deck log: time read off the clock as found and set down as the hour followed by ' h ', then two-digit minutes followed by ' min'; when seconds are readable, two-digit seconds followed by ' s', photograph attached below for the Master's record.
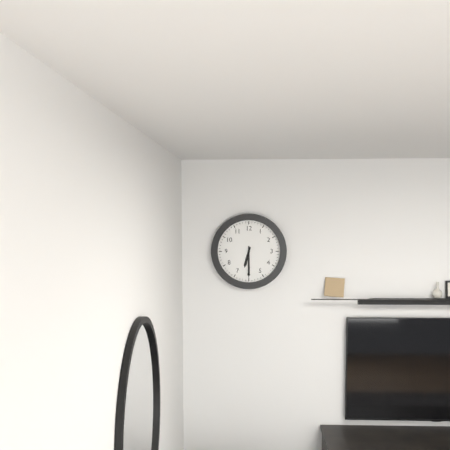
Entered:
6 h 30 min
